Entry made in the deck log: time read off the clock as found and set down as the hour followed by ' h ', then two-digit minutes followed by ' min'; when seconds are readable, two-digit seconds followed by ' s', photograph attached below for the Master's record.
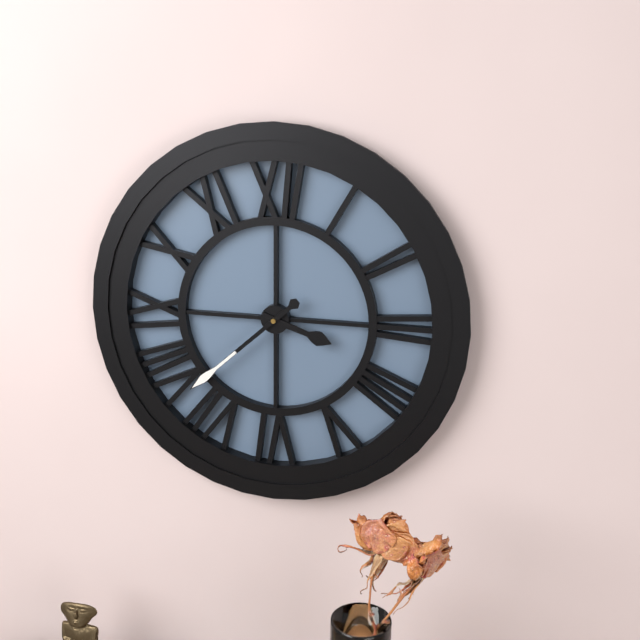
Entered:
3 h 38 min
